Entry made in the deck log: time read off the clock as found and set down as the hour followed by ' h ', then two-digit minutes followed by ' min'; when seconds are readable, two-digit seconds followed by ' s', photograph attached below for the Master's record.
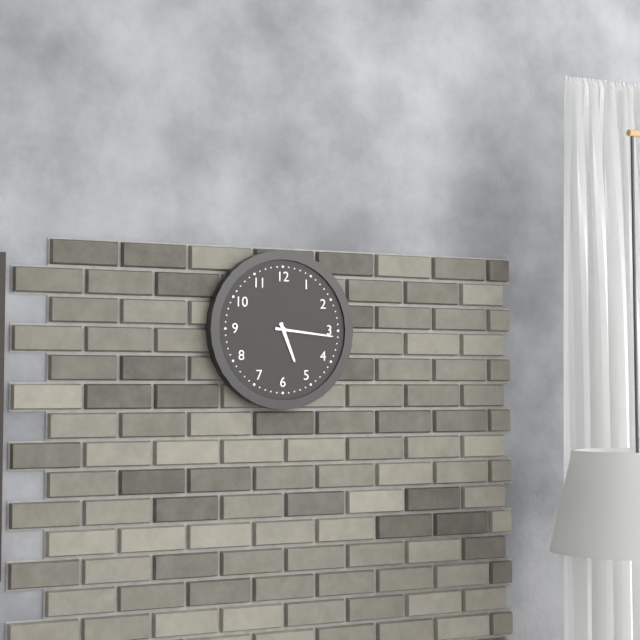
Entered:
5 h 16 min
